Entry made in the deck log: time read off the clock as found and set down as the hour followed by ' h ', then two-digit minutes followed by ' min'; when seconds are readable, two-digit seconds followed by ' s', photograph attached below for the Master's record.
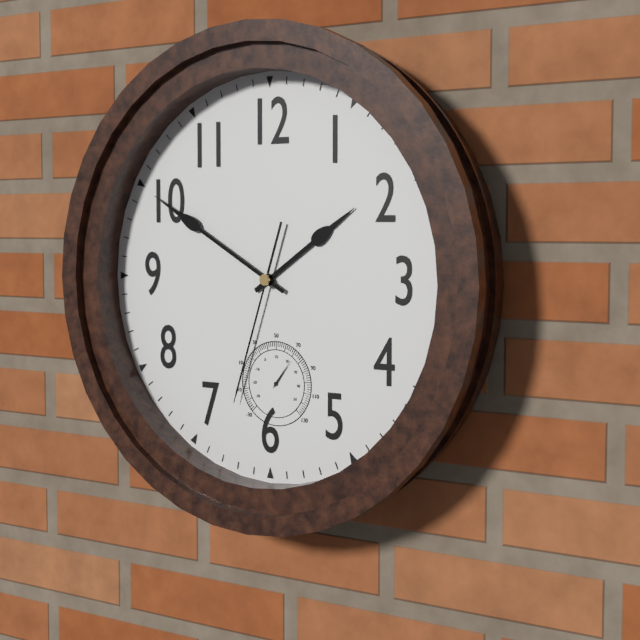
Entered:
1 h 50 min 33 s
